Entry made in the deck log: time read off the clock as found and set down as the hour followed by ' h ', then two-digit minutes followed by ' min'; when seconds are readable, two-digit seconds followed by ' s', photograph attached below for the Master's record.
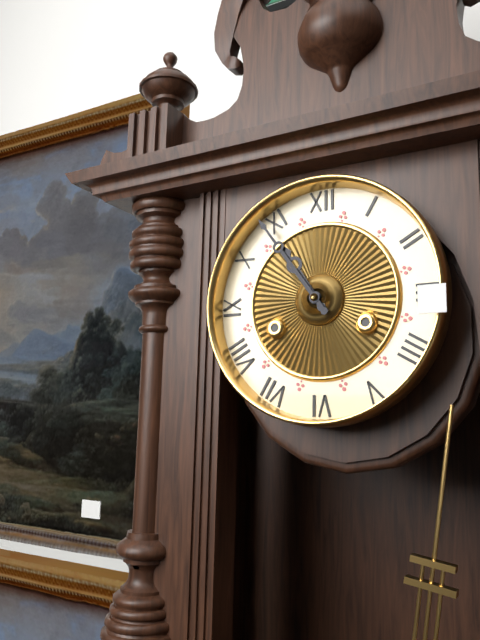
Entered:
10 h 54 min
